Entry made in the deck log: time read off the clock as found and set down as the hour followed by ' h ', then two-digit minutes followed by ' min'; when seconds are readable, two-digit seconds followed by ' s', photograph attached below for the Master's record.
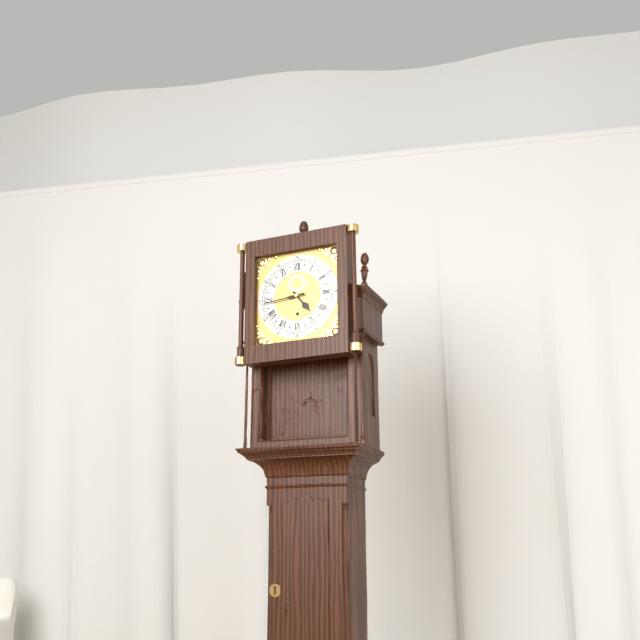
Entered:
4 h 44 min
